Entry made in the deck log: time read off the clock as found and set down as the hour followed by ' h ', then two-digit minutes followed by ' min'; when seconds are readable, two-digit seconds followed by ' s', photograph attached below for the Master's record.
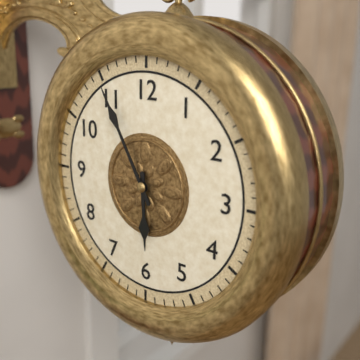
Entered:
5 h 55 min
